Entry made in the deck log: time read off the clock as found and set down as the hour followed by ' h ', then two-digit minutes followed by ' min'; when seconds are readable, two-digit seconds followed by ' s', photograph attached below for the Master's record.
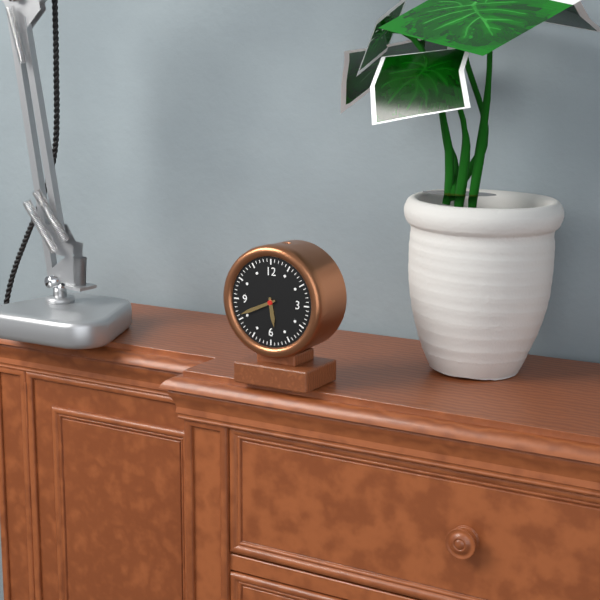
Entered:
5 h 41 min
